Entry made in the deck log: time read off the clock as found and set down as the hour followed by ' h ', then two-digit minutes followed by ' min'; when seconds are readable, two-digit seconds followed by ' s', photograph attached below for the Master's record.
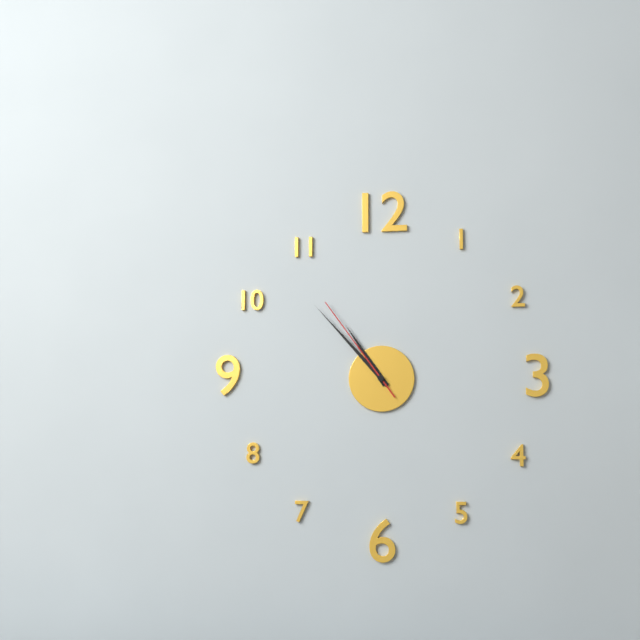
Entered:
10 h 53 min 54 s
